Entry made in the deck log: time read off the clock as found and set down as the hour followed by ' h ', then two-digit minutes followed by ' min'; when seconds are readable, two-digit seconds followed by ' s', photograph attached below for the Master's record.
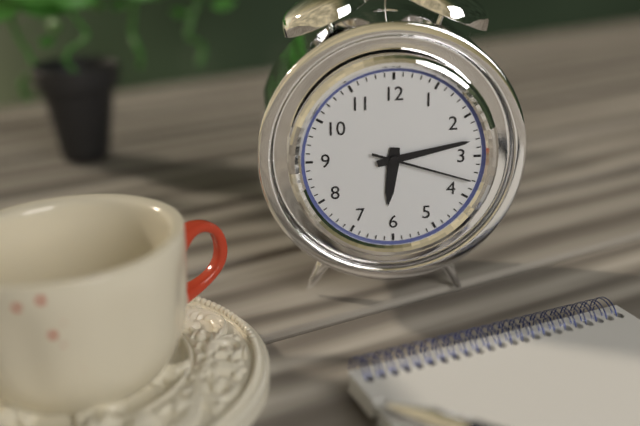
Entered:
6 h 13 min 18 s
